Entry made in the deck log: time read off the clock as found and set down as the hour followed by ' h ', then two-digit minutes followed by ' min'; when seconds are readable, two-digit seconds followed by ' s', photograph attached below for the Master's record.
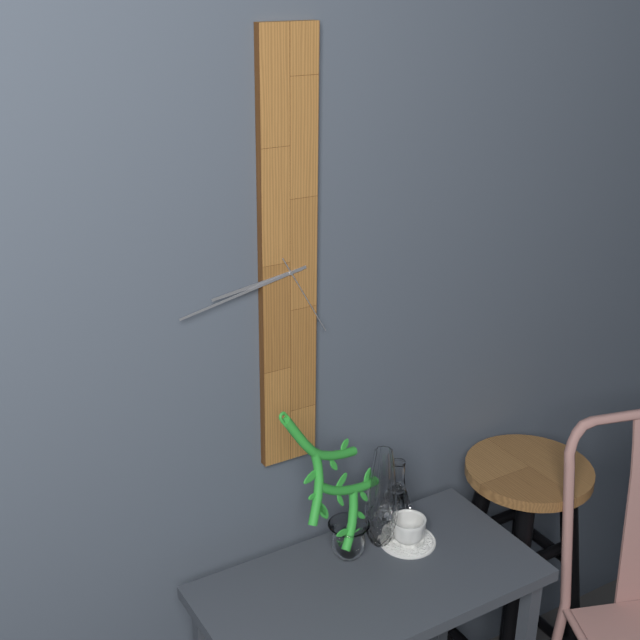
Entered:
8 h 43 min 25 s
